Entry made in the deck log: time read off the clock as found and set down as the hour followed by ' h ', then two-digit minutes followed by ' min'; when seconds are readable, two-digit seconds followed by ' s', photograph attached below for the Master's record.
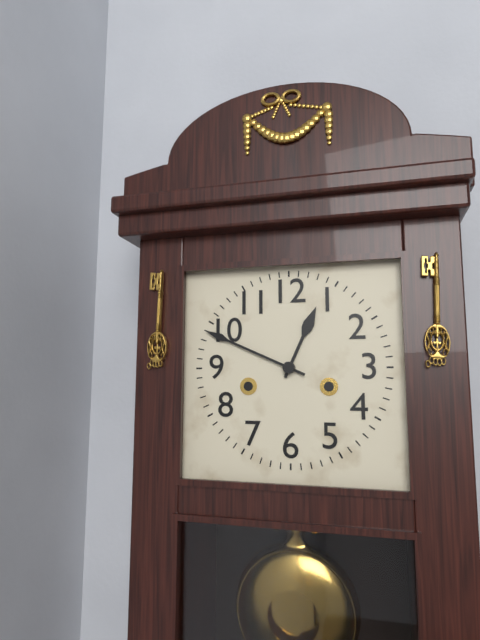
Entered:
12 h 49 min
